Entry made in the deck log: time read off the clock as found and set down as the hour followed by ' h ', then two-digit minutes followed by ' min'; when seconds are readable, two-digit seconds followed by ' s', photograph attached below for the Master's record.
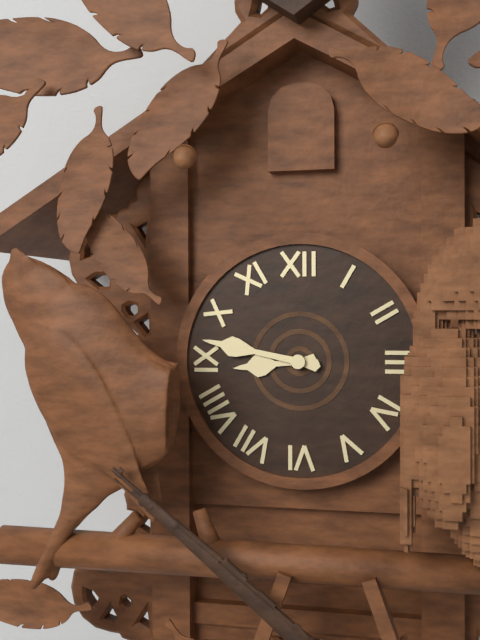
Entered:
8 h 47 min
